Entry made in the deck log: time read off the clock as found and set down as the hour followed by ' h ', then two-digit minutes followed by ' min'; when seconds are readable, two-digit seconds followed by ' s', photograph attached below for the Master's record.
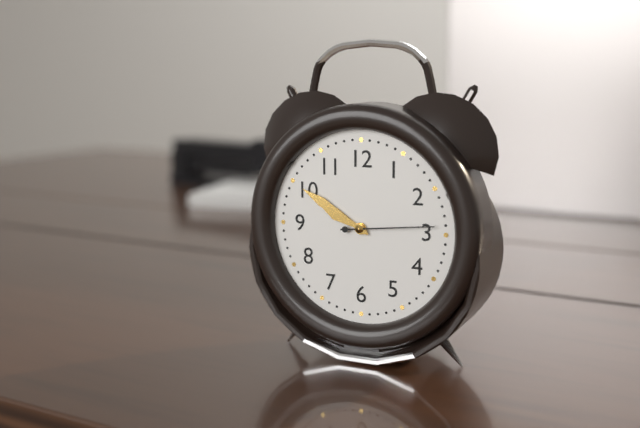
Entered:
9 h 50 min 14 s
